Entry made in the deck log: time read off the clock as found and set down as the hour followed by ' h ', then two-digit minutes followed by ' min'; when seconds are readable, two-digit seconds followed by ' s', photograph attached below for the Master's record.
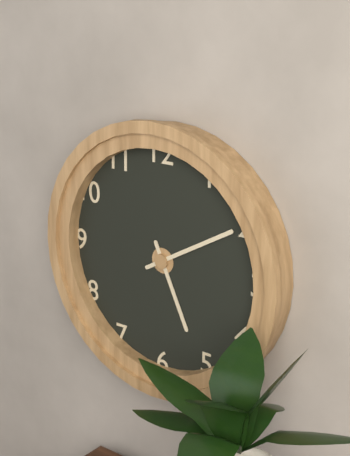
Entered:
5 h 10 min
